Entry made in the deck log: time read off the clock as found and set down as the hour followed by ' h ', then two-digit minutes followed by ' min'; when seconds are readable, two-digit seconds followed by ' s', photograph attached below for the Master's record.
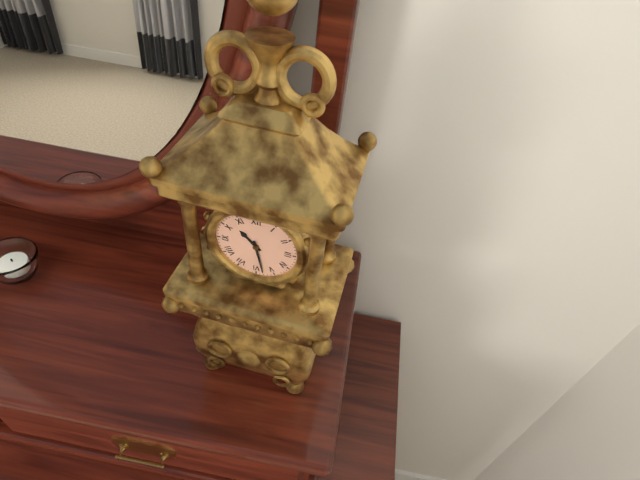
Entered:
10 h 28 min
